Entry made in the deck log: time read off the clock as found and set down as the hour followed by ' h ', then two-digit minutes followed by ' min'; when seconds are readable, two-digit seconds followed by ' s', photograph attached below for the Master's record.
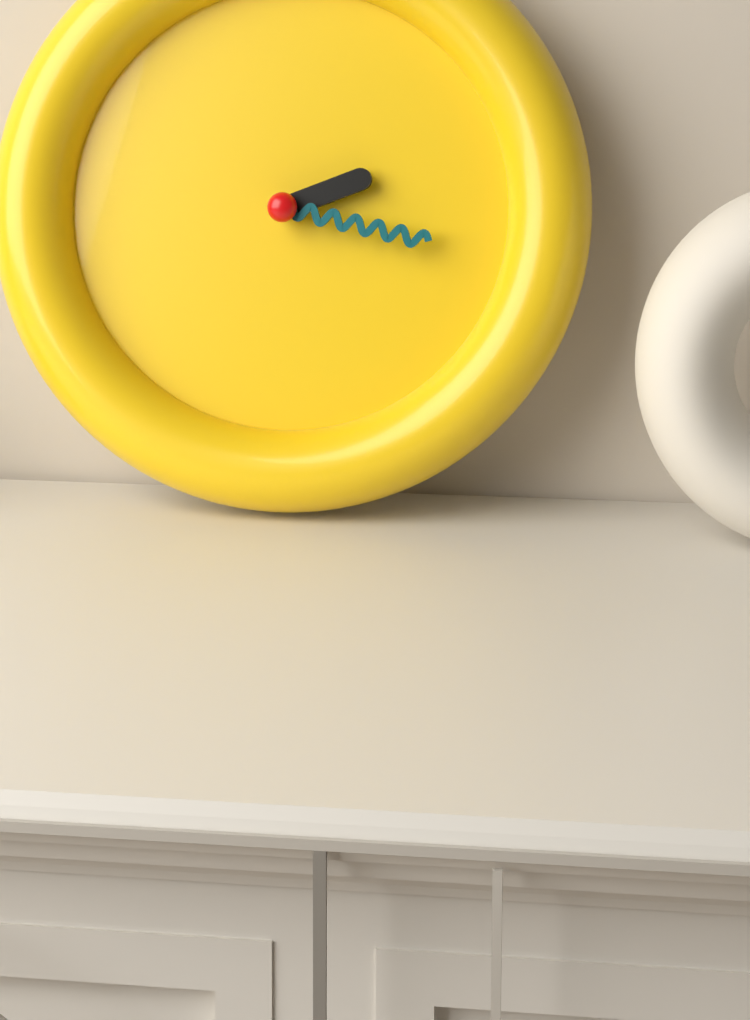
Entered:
2 h 17 min
